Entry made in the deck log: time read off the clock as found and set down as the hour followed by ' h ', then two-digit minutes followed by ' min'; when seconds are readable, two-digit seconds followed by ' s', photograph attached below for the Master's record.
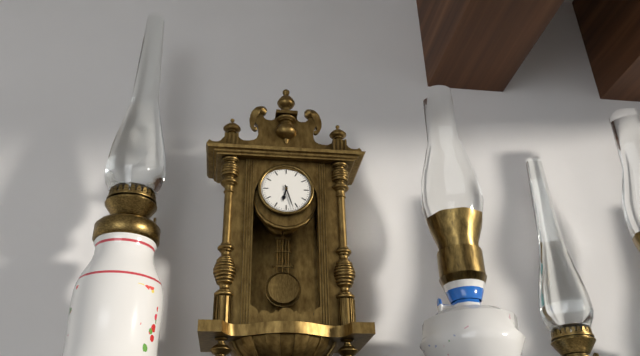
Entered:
6 h 27 min
